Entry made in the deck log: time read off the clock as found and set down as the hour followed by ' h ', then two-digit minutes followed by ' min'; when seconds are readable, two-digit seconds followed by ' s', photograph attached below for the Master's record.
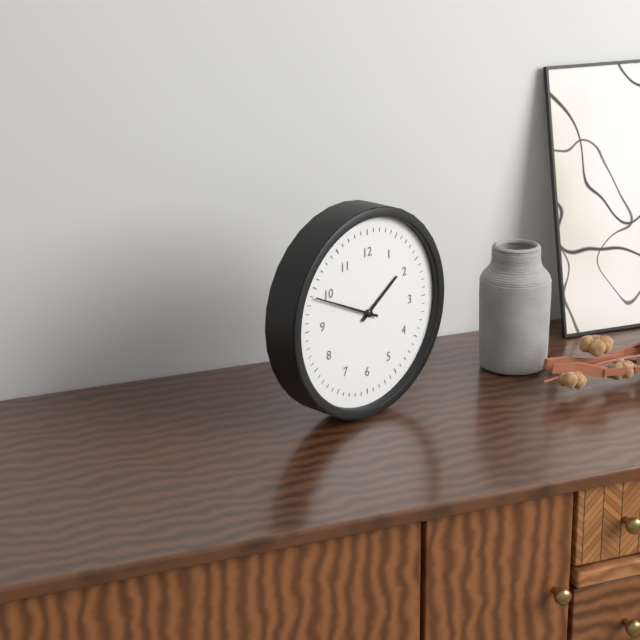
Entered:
1 h 49 min
